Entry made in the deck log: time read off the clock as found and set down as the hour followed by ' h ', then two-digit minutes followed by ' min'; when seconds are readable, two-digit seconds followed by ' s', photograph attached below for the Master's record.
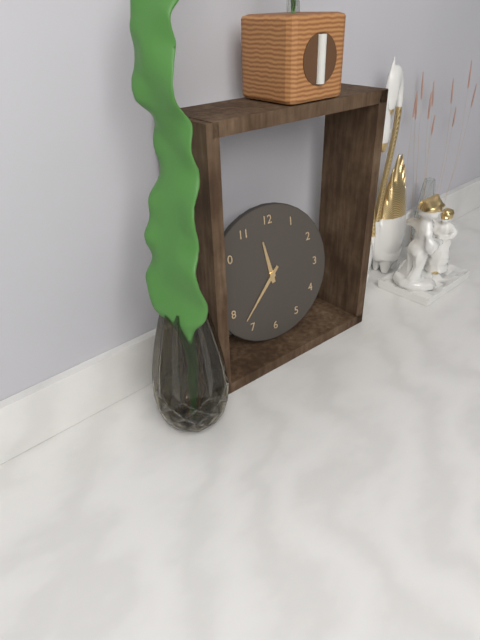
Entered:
11 h 37 min
